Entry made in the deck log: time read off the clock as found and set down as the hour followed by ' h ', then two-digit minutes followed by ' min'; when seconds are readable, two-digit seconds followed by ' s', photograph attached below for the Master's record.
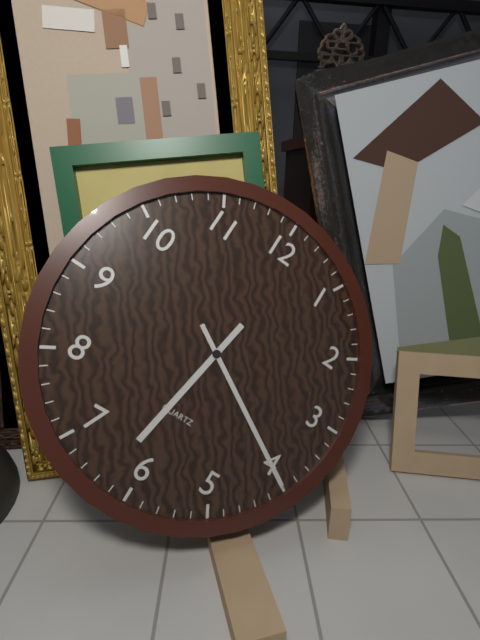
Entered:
6 h 20 min
